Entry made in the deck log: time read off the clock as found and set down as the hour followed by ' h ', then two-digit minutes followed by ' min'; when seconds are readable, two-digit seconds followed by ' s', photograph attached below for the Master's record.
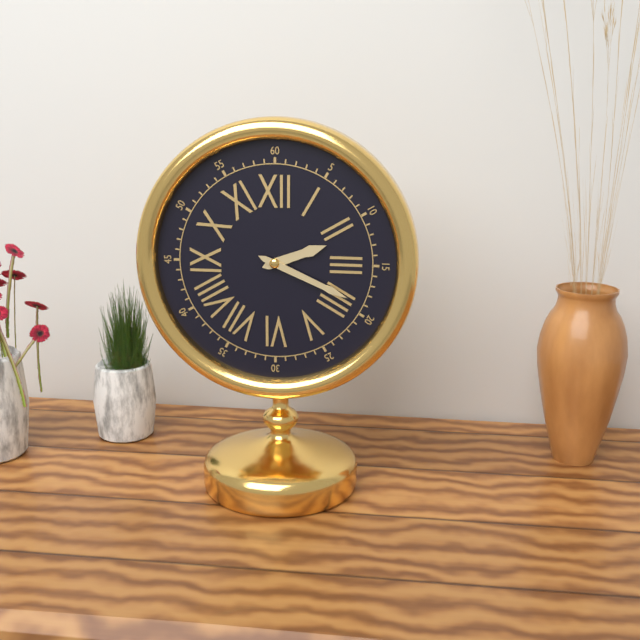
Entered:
2 h 19 min
